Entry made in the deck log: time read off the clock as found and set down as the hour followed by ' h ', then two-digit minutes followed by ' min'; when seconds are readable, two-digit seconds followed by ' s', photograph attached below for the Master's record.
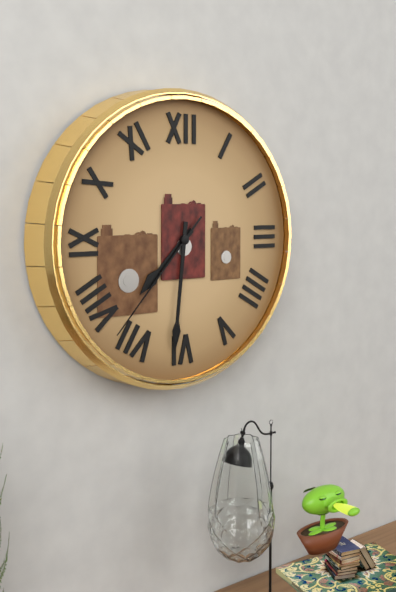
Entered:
7 h 31 min 37 s
